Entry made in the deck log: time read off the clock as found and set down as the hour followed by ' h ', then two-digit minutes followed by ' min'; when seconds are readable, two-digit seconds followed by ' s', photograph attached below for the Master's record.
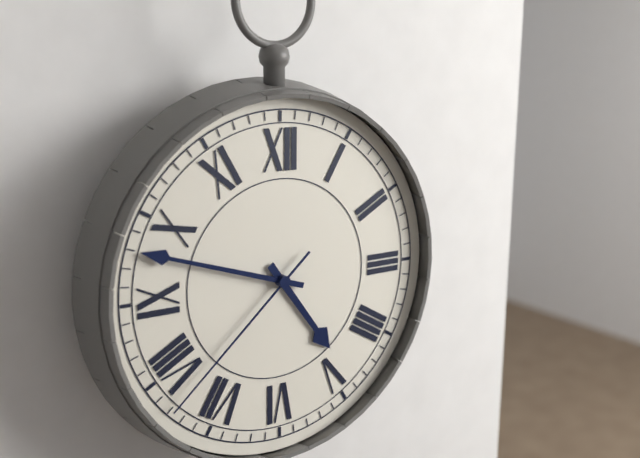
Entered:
4 h 48 min 38 s
